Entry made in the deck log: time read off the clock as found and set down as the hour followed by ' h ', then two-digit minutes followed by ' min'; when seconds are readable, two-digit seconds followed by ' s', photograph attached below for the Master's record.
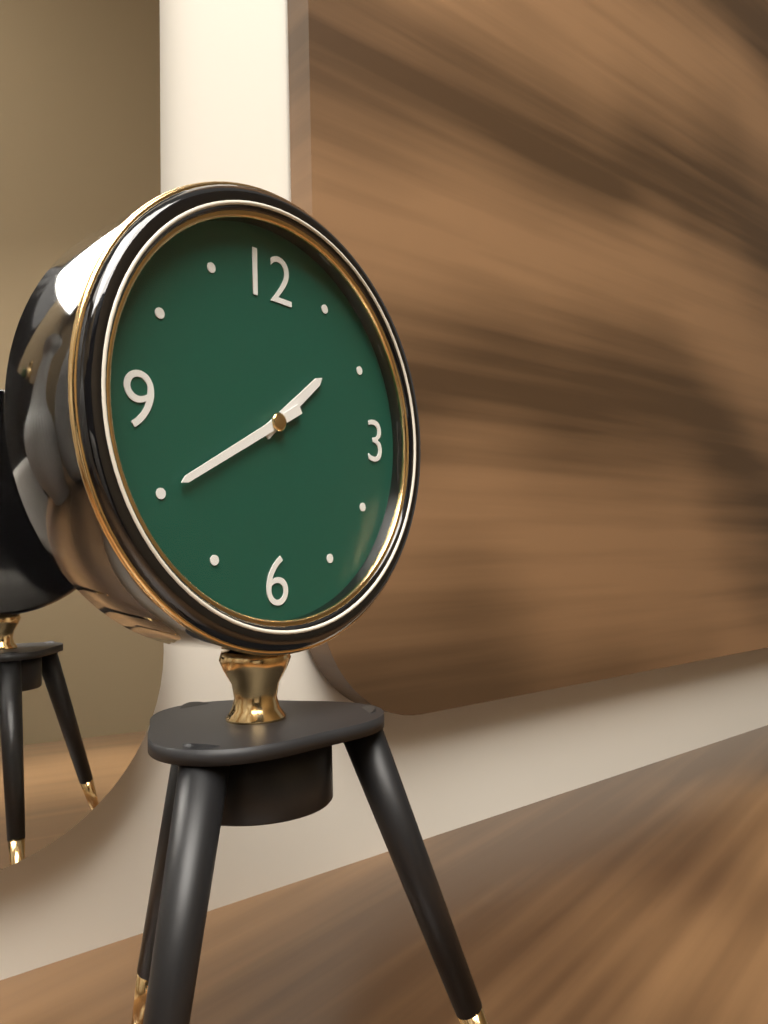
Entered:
1 h 40 min
